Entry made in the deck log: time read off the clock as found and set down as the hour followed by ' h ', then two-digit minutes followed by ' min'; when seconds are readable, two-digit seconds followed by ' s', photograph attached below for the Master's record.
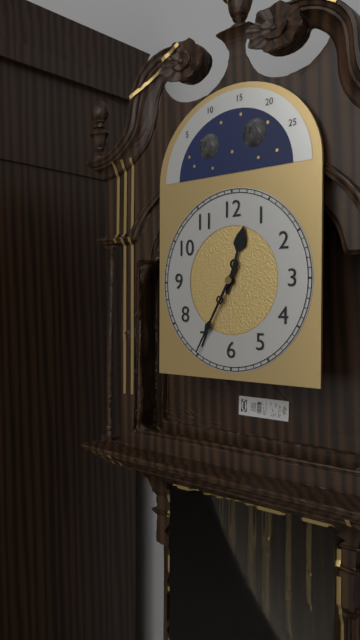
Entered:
12 h 35 min
